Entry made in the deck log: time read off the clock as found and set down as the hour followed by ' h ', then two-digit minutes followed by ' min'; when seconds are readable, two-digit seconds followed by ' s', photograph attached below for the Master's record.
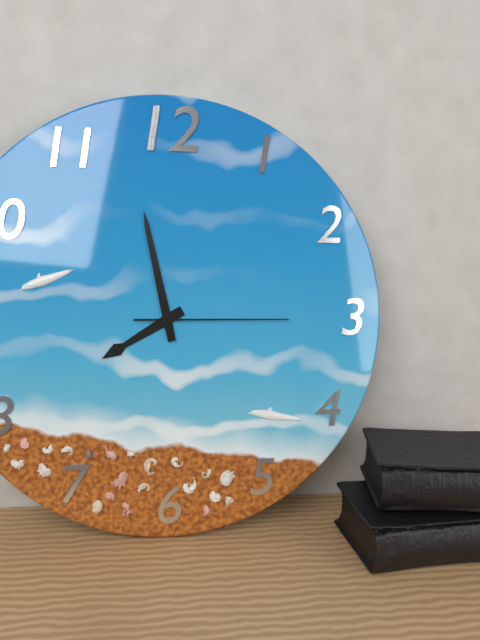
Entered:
7 h 58 min 15 s
